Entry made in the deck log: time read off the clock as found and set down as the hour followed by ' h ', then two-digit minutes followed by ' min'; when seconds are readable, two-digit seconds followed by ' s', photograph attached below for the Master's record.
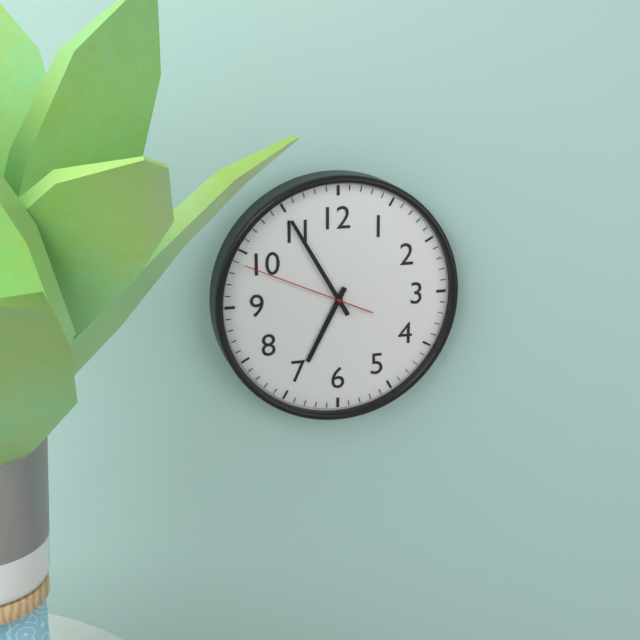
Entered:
6 h 55 min 49 s
